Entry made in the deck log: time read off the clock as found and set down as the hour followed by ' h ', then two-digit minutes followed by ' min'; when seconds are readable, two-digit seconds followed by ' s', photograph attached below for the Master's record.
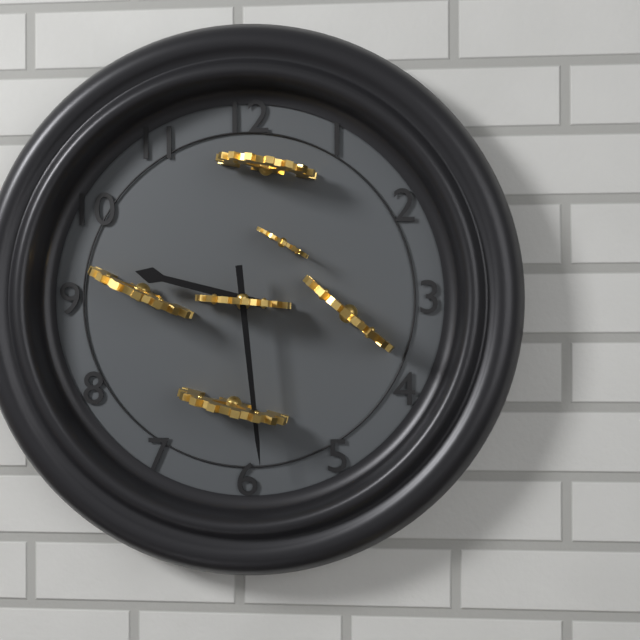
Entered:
9 h 29 min
